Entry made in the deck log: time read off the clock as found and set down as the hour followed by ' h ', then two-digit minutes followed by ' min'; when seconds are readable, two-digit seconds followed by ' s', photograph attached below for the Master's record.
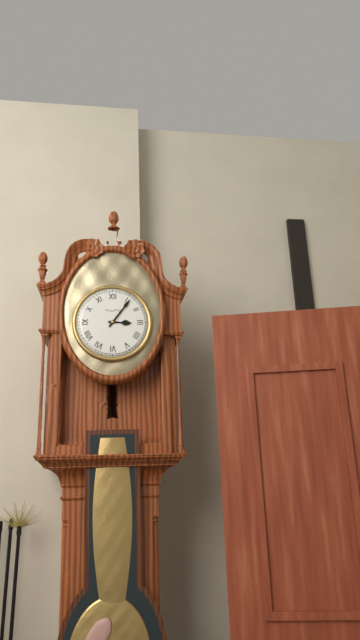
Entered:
3 h 06 min
